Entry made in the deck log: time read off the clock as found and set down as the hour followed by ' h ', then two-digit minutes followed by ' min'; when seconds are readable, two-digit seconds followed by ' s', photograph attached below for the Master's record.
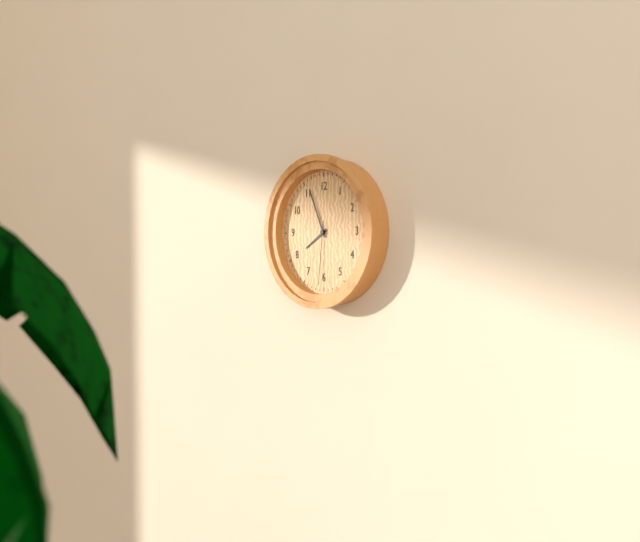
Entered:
7 h 56 min 31 s
